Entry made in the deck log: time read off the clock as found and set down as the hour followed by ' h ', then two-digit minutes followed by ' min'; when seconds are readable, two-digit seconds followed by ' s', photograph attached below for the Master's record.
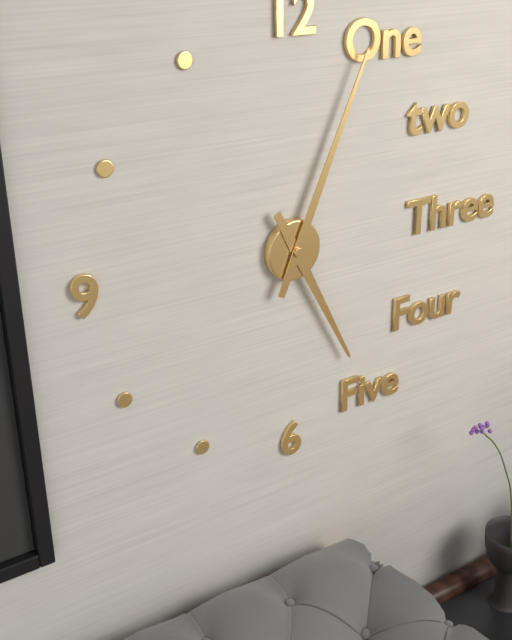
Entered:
5 h 04 min
